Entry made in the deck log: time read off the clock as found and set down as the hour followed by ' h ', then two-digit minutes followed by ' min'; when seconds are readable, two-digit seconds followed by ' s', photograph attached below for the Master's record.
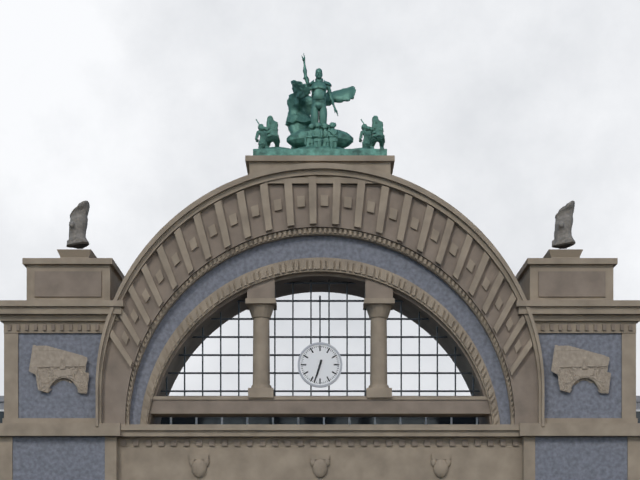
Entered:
6 h 33 min
